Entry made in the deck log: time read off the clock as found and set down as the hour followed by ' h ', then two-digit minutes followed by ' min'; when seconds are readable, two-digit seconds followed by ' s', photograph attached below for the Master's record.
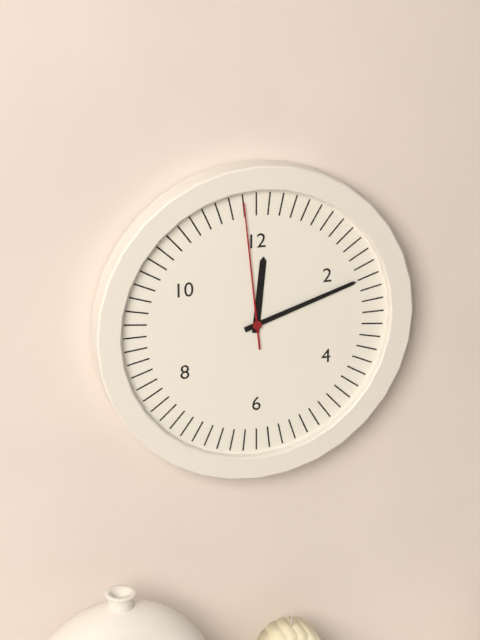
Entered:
12 h 12 min 59 s
